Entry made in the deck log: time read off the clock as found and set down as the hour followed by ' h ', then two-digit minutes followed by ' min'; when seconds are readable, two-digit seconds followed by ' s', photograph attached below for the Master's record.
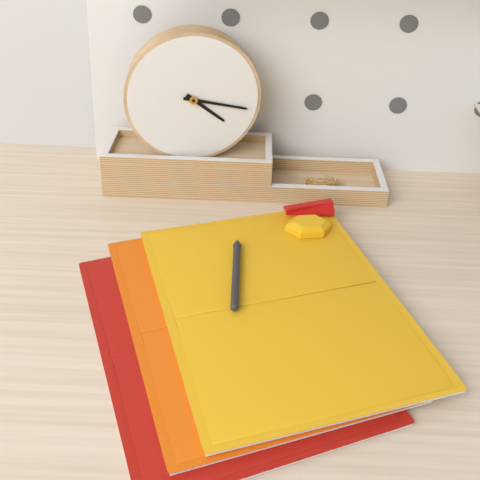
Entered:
4 h 17 min
